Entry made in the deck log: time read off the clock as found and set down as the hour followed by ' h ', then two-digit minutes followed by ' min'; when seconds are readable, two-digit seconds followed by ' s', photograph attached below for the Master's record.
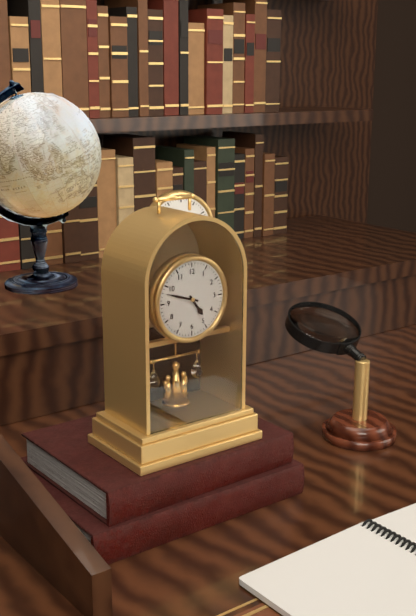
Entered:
4 h 48 min
